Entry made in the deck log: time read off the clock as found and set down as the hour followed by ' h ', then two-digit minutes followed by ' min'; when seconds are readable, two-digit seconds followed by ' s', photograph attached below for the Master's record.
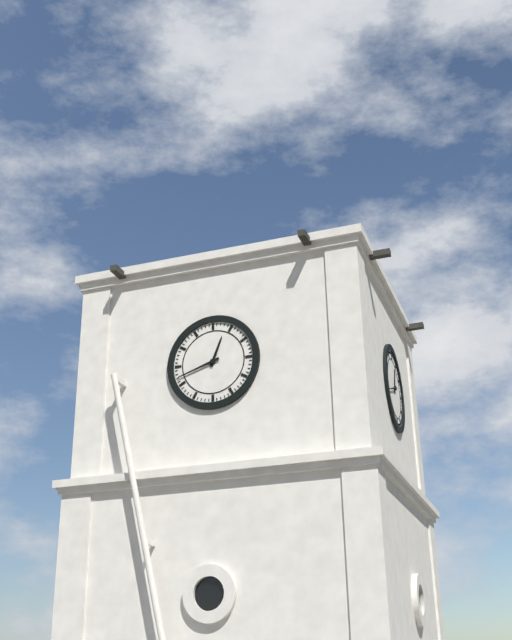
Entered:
12 h 42 min
